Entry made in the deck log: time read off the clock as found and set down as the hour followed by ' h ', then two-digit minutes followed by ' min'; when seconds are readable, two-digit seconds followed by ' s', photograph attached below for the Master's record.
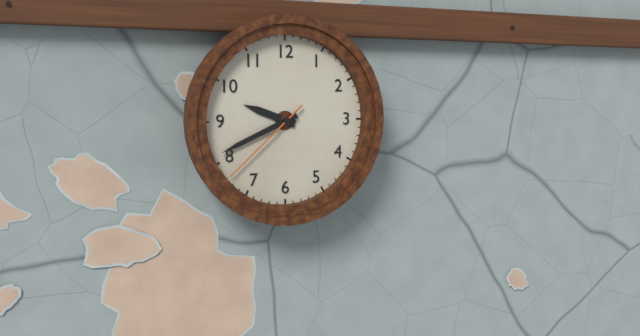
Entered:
9 h 41 min 38 s
